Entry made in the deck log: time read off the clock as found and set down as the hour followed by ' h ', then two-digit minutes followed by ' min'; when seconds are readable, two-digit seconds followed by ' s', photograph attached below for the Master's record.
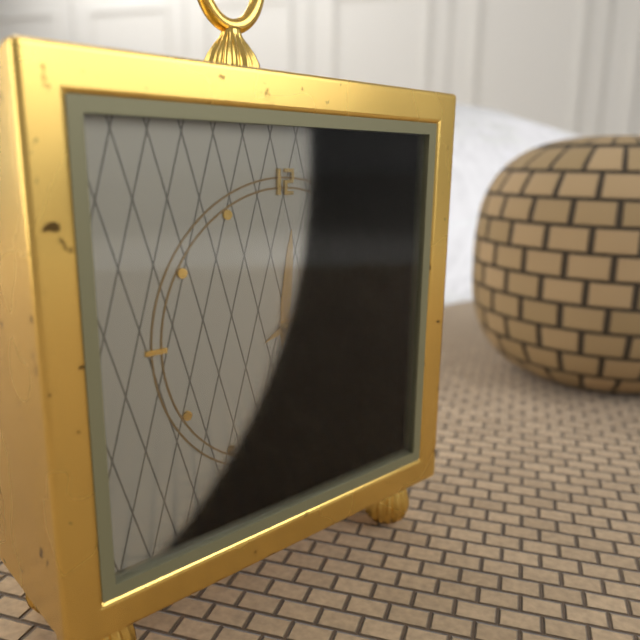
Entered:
12 h 11 min
